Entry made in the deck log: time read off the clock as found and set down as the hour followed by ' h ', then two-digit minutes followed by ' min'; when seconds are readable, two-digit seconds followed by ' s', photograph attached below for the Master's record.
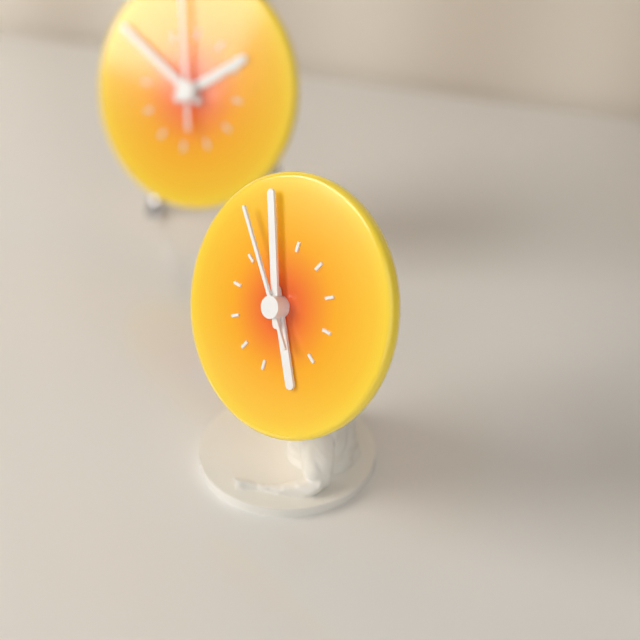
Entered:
4 h 56 min 53 s
